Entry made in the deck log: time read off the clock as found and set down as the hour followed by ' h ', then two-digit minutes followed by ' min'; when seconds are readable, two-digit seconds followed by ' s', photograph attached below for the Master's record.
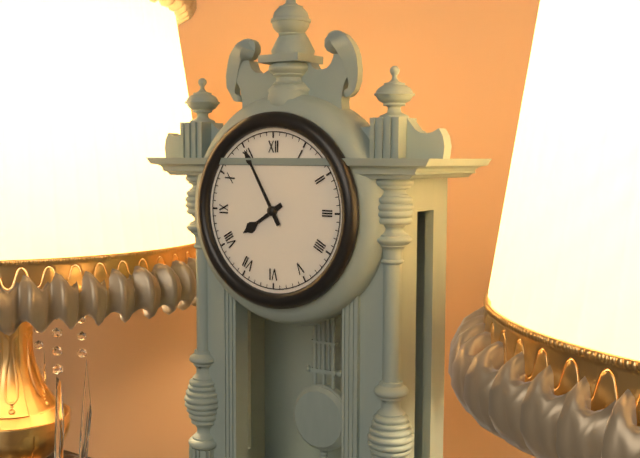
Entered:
7 h 55 min
